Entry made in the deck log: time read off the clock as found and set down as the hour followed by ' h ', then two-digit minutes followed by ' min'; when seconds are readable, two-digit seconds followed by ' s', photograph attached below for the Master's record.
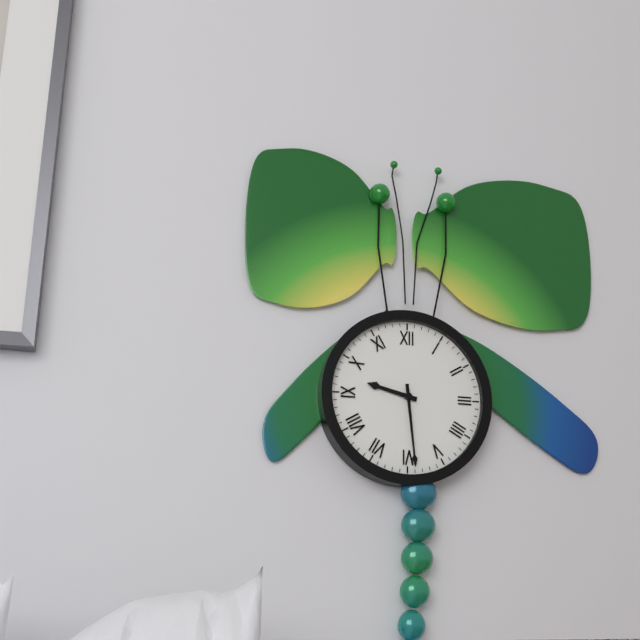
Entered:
9 h 29 min
